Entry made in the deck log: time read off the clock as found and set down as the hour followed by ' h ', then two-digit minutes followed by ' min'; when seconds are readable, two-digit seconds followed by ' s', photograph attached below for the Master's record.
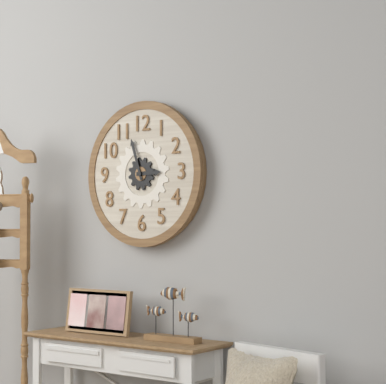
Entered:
2 h 57 min
